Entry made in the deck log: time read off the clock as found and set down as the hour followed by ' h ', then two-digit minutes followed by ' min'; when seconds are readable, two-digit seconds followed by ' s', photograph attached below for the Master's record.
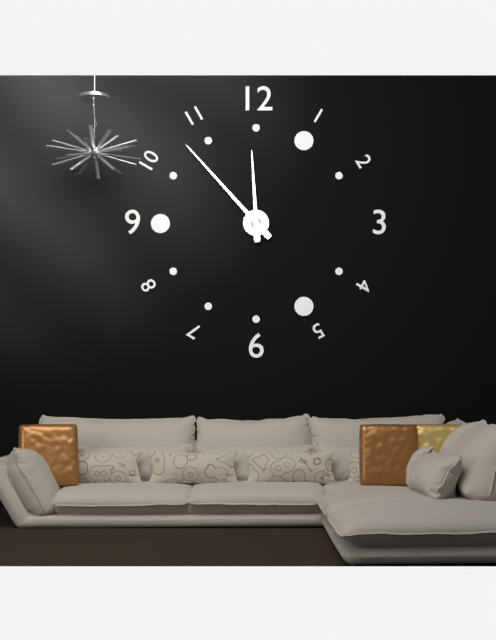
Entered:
11 h 53 min
